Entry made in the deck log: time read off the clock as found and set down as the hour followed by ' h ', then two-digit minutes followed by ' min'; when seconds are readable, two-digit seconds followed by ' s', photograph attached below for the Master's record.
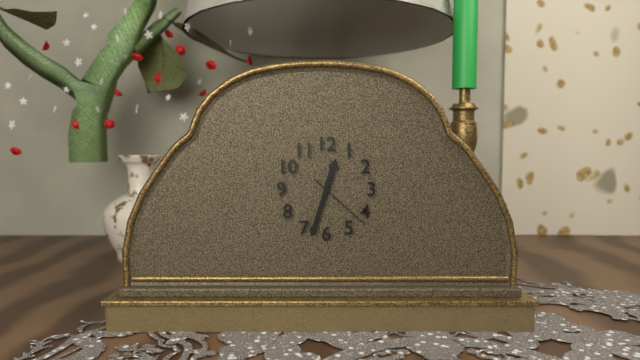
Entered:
12 h 33 min 22 s
